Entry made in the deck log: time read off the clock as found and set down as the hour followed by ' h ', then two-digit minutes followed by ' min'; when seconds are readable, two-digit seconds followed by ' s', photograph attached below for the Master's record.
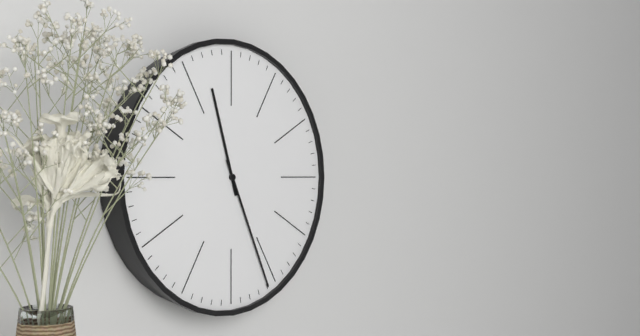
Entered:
11 h 26 min
